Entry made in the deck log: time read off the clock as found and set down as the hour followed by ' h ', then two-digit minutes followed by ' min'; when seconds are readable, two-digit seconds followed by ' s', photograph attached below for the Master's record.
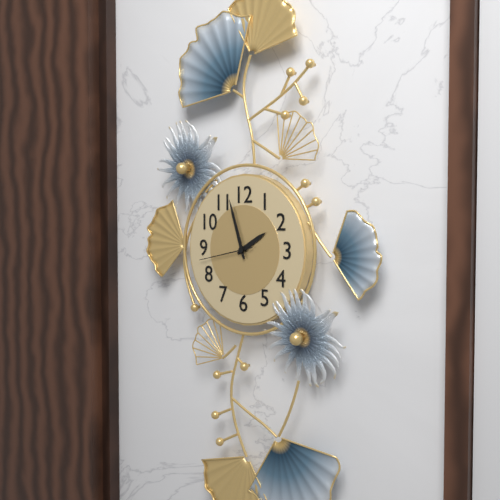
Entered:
1 h 57 min 43 s
